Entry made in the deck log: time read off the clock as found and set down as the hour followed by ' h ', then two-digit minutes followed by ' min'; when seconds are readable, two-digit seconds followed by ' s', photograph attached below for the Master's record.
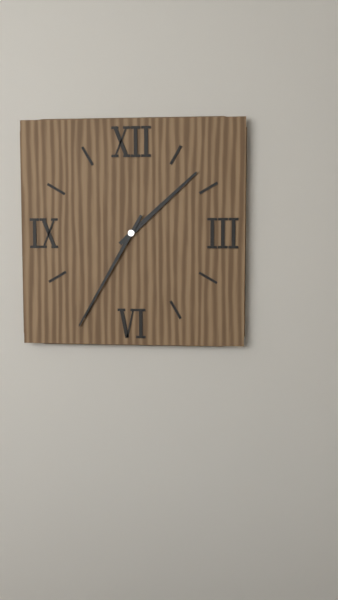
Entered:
1 h 35 min
